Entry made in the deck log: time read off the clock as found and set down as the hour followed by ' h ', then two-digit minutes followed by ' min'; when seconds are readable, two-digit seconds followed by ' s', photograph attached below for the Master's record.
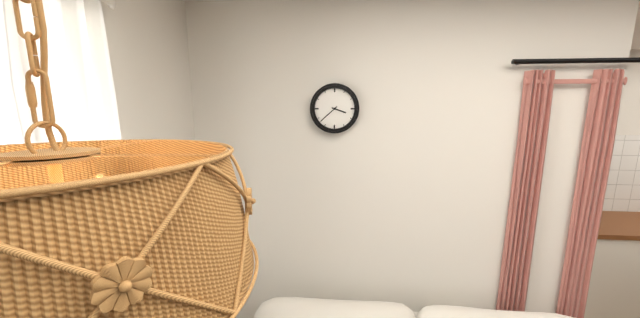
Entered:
3 h 38 min
